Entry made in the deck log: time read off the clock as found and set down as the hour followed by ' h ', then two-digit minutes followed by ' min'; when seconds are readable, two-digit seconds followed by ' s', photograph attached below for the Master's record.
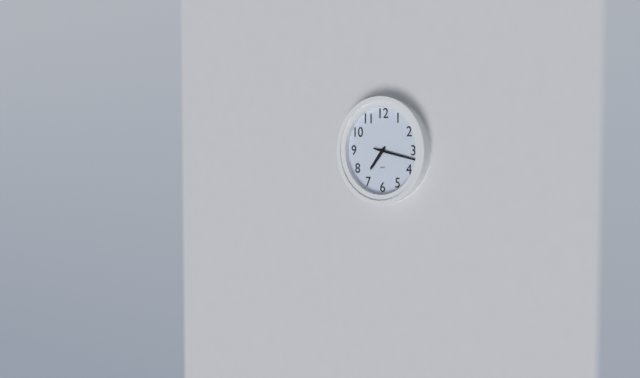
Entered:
7 h 17 min
